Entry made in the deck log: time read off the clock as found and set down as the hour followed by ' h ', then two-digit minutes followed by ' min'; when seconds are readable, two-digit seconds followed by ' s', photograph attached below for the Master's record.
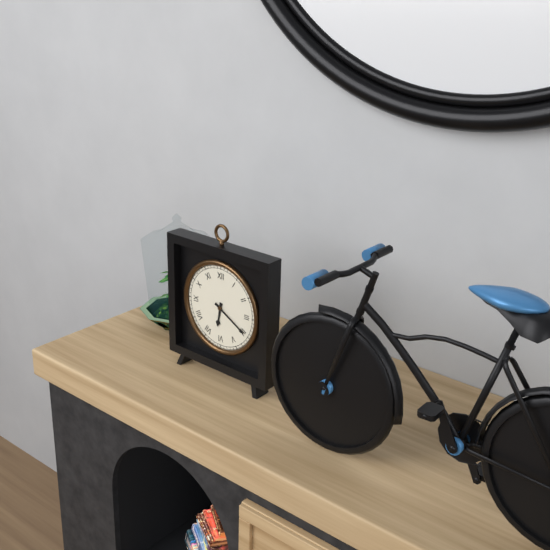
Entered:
6 h 20 min
